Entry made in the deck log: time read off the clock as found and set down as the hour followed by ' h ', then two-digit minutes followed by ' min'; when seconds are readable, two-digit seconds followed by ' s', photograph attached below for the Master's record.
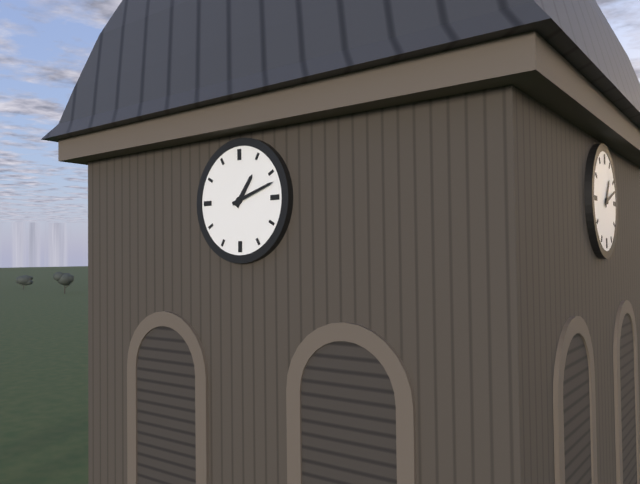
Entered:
1 h 12 min
